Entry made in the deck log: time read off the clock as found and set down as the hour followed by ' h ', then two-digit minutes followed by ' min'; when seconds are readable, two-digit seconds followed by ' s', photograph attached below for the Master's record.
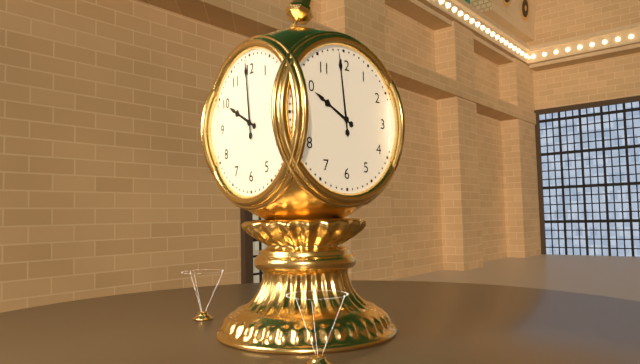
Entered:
9 h 59 min
